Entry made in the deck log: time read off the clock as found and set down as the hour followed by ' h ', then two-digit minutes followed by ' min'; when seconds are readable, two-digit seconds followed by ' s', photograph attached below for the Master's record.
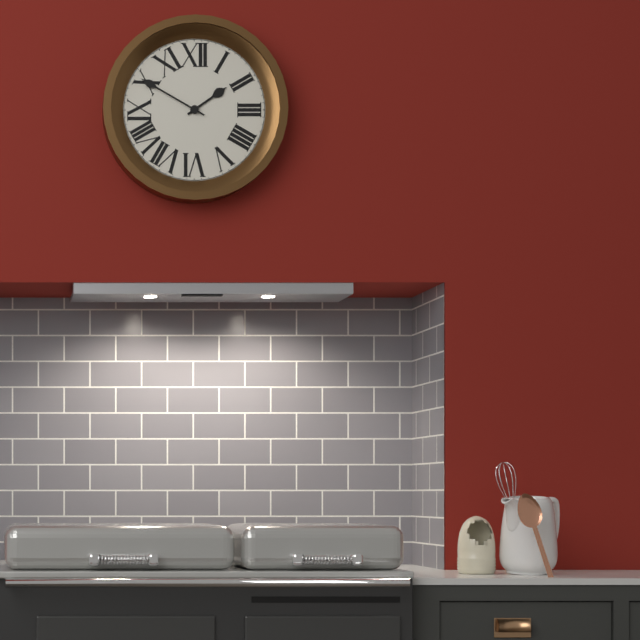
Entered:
1 h 50 min
